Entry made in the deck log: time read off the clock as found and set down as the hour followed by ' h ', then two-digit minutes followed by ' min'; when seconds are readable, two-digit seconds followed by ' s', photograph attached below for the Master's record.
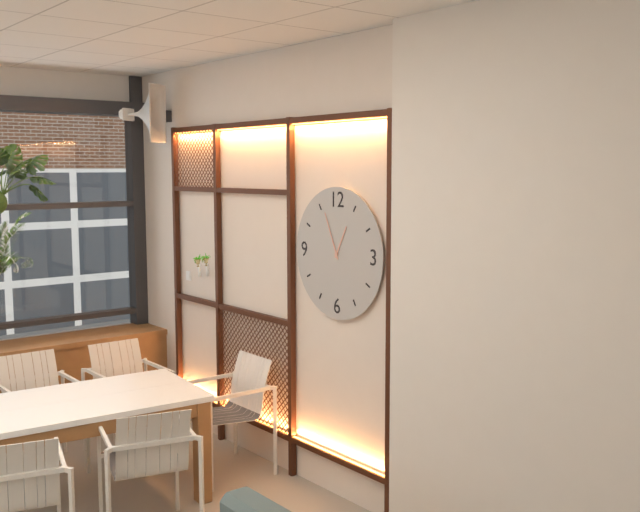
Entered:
12 h 56 min
